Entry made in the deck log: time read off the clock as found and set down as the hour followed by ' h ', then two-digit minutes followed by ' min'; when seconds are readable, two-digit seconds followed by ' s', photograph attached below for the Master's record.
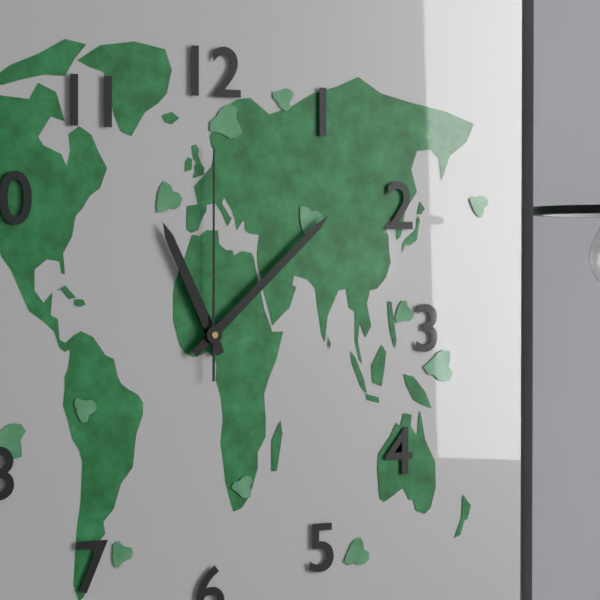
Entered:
11 h 08 min 00 s
